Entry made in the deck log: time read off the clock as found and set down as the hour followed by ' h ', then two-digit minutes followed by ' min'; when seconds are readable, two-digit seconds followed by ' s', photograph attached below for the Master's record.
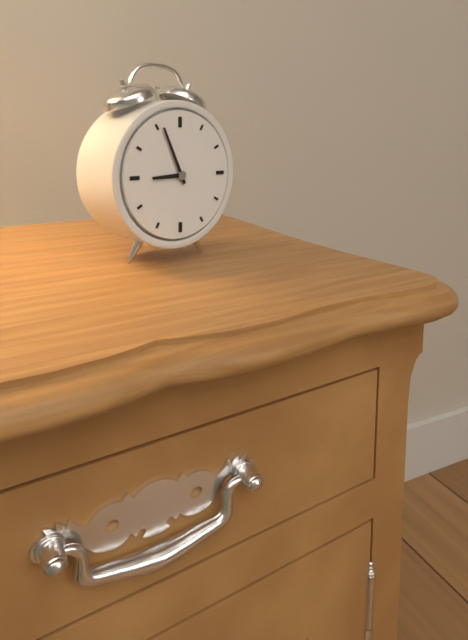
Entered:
8 h 56 min
